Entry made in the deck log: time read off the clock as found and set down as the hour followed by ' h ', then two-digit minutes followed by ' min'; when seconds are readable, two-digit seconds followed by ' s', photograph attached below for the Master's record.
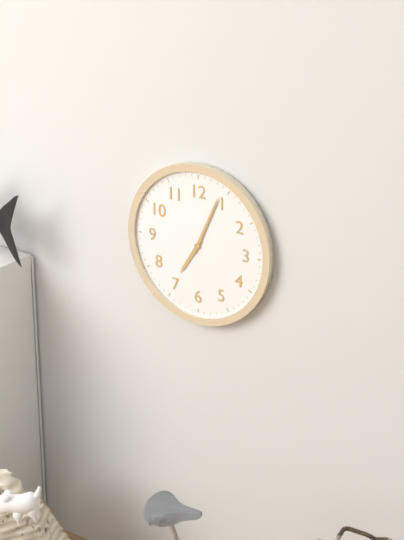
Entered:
7 h 04 min
